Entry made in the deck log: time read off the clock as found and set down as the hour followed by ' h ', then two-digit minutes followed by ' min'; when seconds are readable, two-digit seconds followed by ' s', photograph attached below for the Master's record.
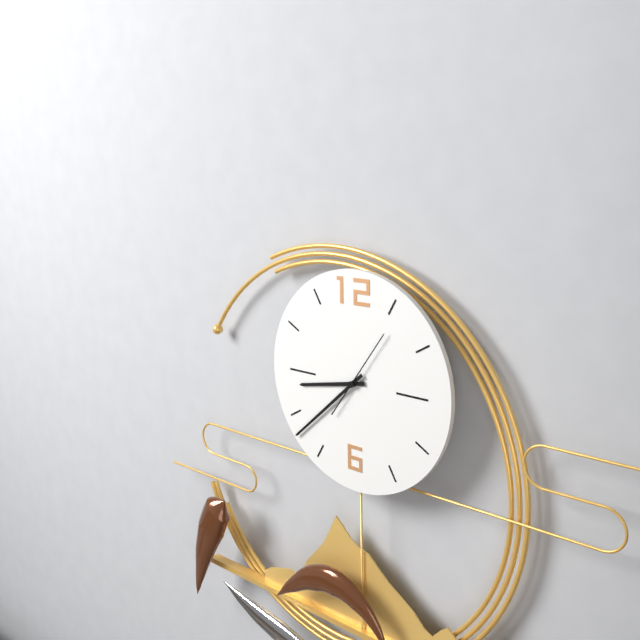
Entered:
8 h 38 min 06 s
